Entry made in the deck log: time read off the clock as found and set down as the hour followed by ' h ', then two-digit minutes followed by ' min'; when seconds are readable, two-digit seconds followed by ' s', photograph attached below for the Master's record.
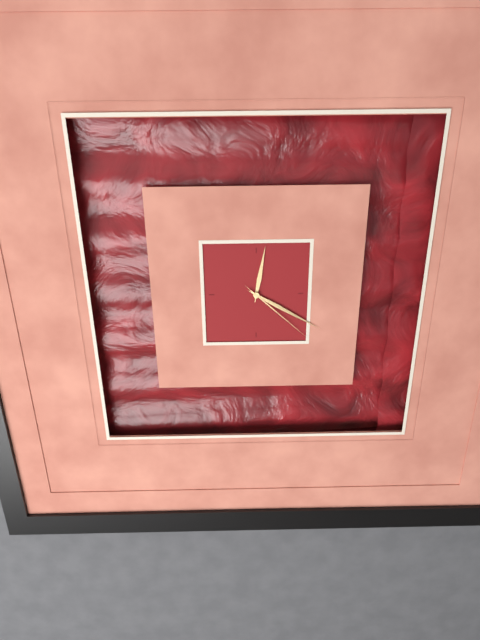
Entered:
12 h 20 min 22 s
